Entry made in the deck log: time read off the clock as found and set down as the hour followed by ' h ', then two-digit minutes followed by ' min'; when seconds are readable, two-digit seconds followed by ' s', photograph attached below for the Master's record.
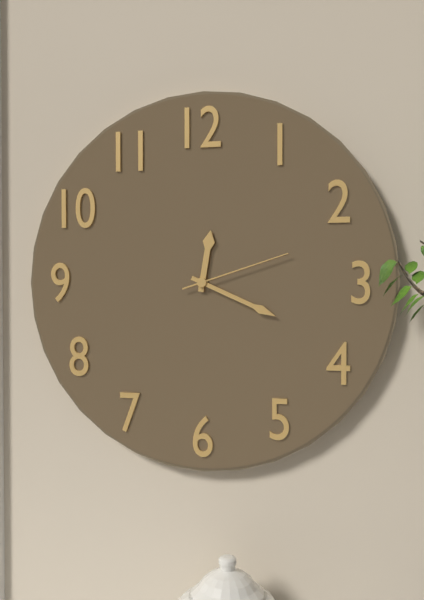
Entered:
12 h 19 min 12 s
